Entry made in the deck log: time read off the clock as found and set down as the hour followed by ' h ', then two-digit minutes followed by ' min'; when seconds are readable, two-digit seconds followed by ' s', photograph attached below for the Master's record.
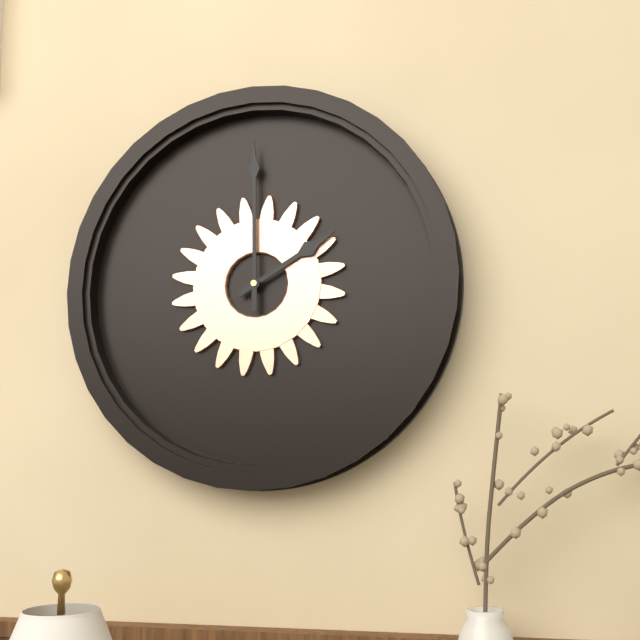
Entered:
2 h 00 min
